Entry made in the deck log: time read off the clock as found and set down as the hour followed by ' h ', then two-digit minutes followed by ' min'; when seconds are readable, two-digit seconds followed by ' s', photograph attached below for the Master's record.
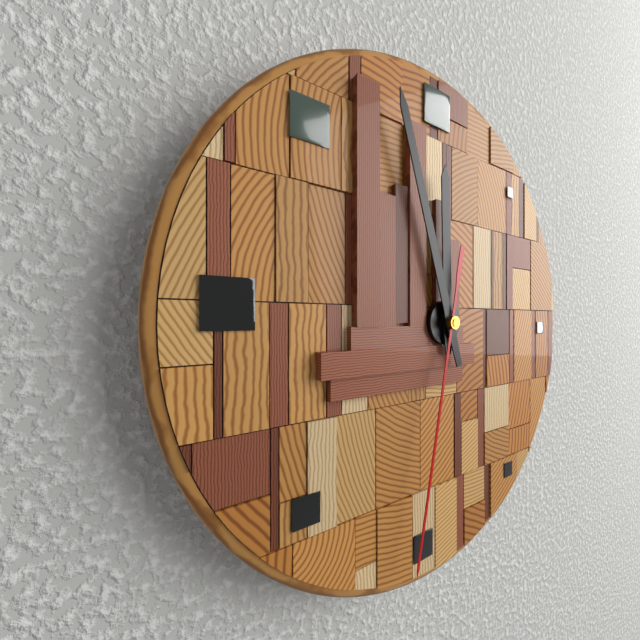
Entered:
11 h 57 min 32 s
